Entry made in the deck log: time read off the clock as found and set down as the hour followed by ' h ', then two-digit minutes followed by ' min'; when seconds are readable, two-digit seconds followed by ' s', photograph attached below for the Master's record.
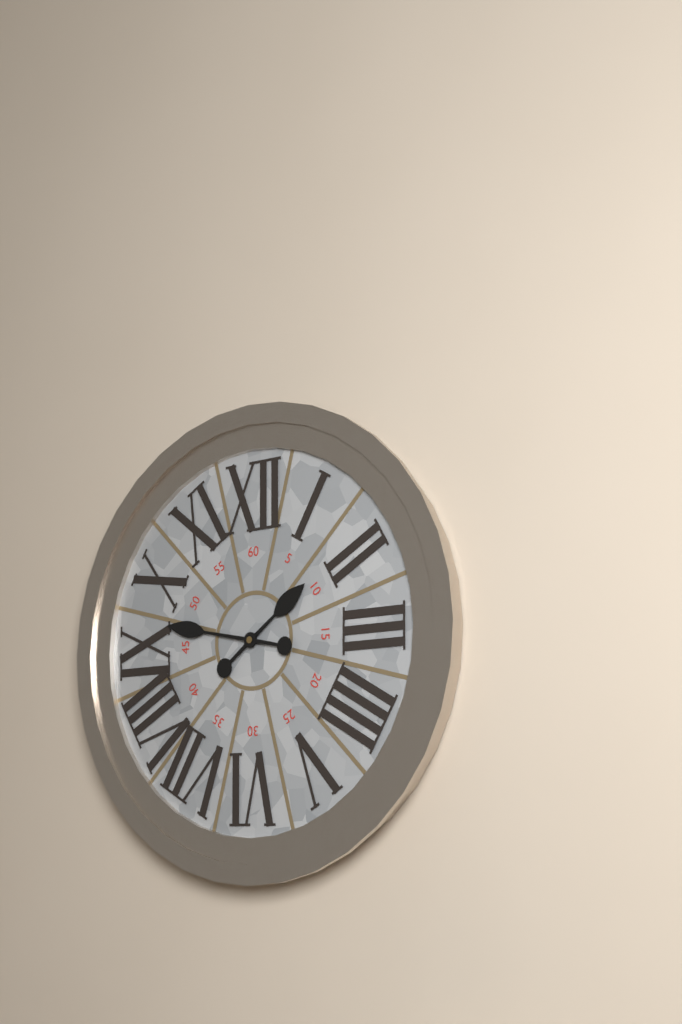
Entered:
1 h 47 min
